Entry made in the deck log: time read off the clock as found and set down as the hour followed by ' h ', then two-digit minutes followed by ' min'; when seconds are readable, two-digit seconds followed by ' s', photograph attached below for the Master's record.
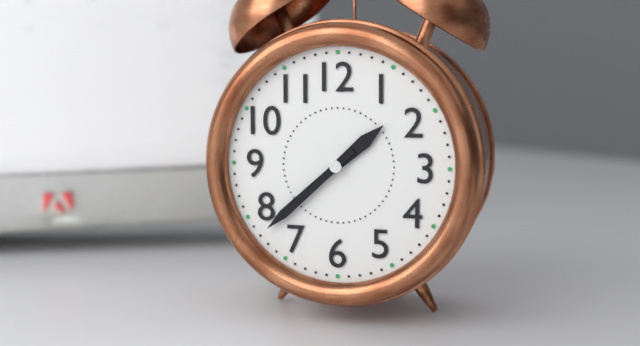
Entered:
1 h 38 min
